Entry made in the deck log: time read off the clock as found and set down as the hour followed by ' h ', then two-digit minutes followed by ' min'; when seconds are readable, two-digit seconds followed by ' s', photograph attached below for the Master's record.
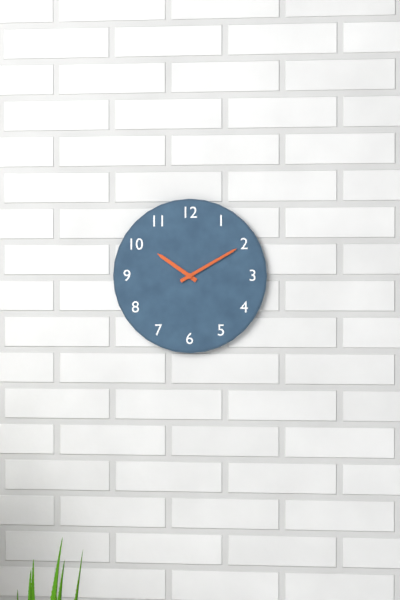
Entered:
10 h 10 min
